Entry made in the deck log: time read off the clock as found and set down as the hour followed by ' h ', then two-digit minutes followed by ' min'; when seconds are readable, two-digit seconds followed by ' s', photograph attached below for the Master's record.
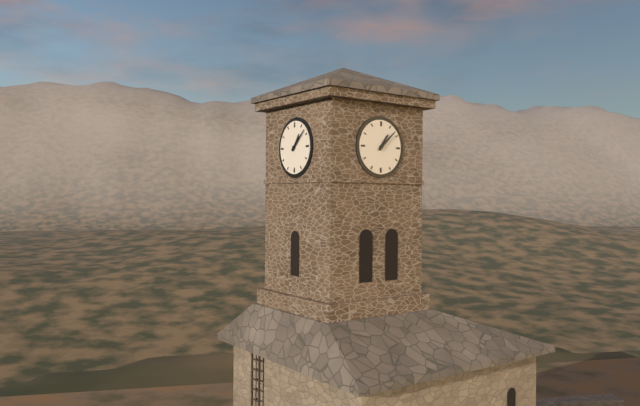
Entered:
1 h 08 min
